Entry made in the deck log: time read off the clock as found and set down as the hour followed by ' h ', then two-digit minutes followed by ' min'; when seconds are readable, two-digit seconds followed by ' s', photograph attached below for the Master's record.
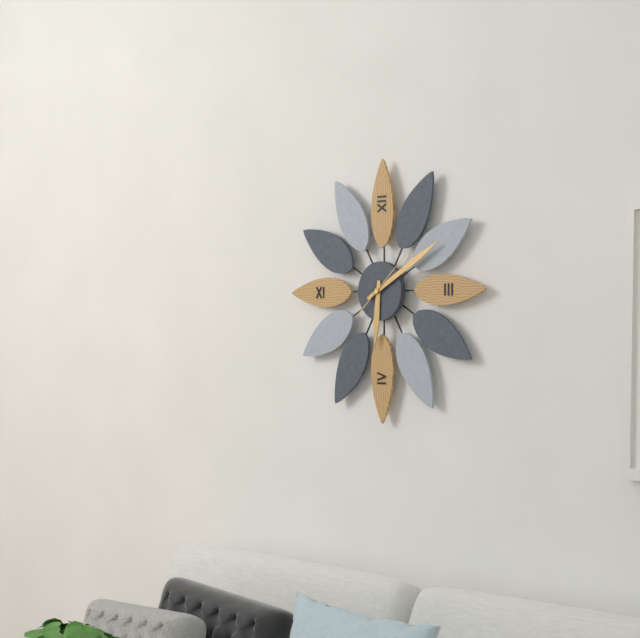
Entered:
6 h 10 min
